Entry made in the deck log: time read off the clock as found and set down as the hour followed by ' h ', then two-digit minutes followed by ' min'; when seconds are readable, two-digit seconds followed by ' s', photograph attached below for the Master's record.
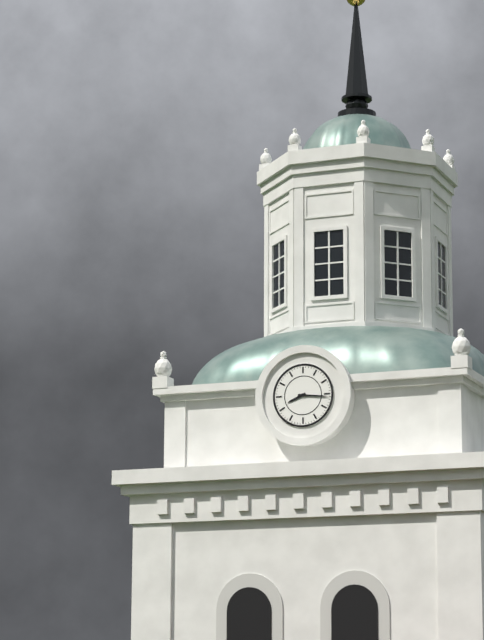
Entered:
8 h 16 min
